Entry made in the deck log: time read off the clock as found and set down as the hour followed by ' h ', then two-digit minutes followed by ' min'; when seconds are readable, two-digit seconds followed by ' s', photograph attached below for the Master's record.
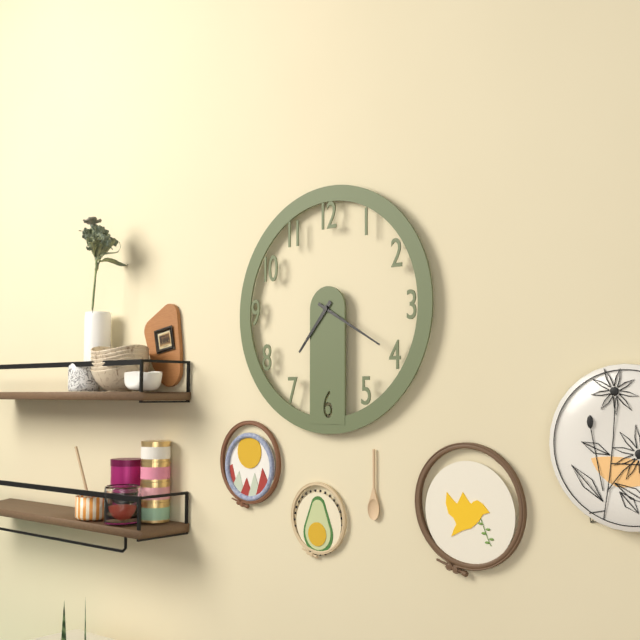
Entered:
7 h 20 min
